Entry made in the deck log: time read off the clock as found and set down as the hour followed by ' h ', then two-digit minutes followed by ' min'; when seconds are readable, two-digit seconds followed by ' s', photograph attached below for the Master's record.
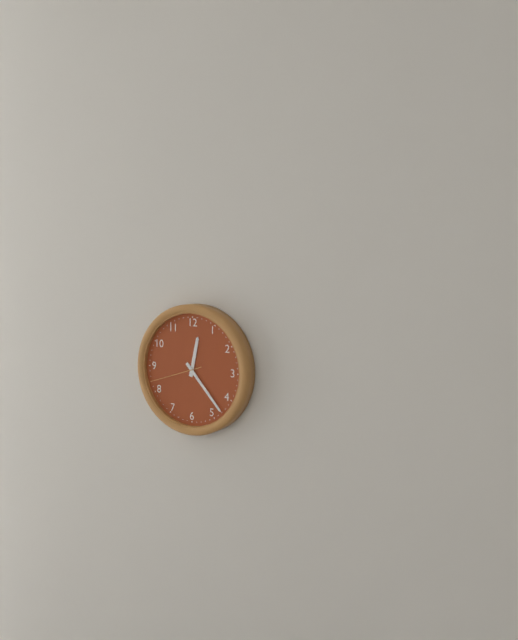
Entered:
12 h 23 min 42 s
